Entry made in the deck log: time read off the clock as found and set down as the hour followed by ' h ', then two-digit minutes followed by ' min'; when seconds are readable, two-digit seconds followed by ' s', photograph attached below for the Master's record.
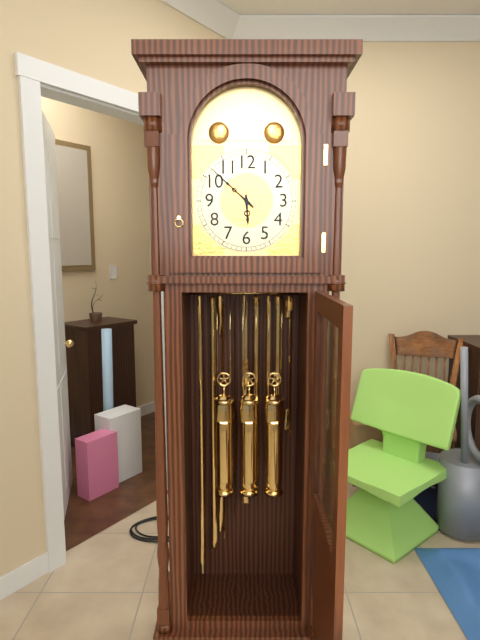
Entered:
5 h 52 min
